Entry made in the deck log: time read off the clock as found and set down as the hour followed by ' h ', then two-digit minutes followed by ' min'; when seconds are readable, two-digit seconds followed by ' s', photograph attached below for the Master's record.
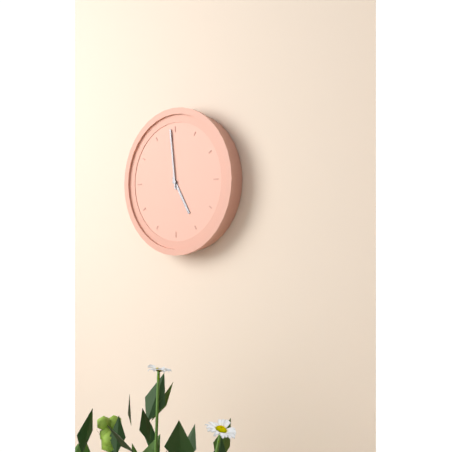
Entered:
4 h 59 min
